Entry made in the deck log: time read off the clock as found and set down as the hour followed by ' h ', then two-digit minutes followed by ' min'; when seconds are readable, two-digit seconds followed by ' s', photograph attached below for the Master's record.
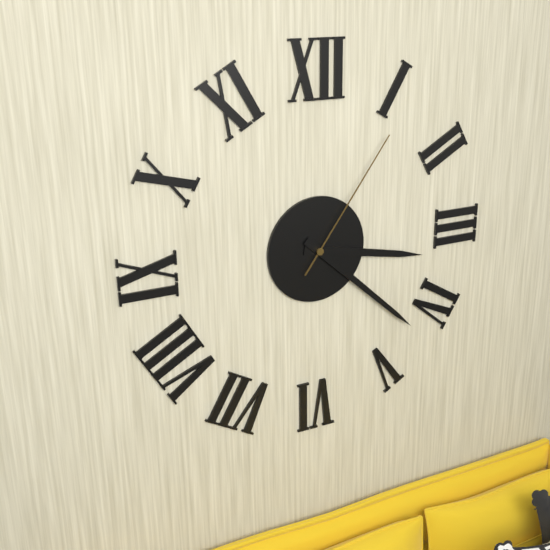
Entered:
3 h 22 min 06 s
